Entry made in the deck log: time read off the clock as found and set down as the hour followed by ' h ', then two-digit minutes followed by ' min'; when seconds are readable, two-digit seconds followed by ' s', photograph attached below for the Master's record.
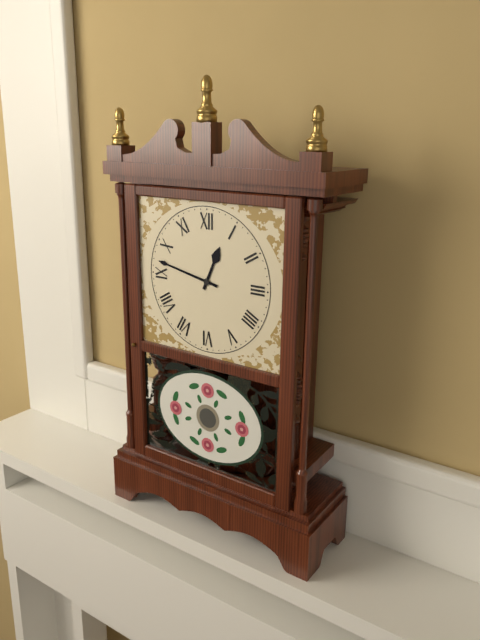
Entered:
12 h 47 min
